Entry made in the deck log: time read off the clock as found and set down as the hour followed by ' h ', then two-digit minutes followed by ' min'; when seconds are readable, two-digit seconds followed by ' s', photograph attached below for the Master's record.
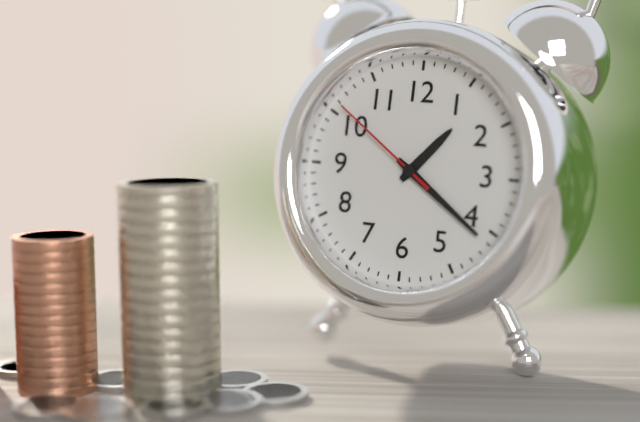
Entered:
1 h 21 min 51 s
